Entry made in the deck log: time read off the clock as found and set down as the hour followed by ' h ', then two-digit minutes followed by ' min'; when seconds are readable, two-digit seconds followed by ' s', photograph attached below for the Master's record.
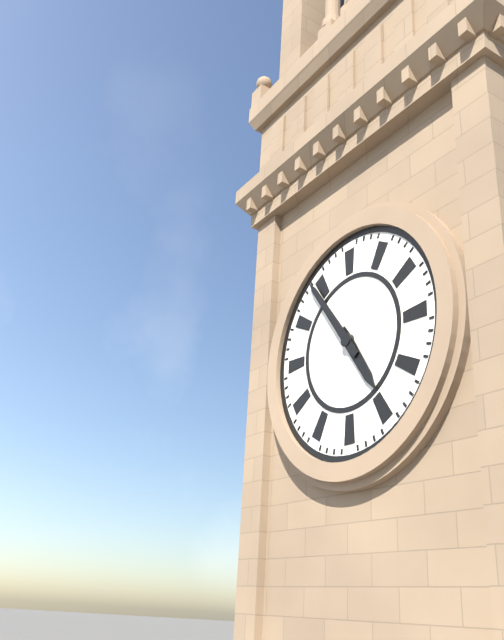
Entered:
4 h 54 min
